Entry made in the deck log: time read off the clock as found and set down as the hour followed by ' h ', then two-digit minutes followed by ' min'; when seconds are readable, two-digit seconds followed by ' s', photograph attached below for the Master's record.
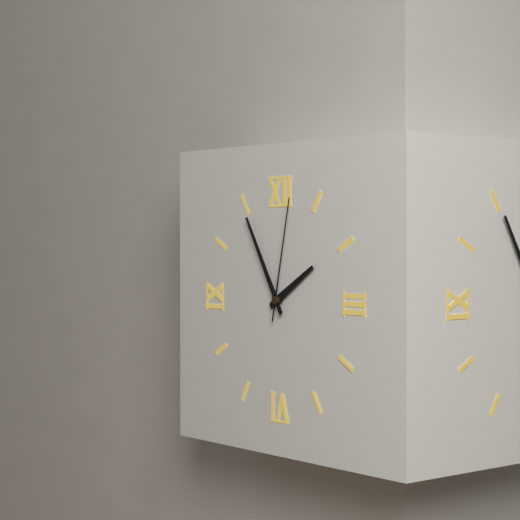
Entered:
1 h 55 min 02 s
